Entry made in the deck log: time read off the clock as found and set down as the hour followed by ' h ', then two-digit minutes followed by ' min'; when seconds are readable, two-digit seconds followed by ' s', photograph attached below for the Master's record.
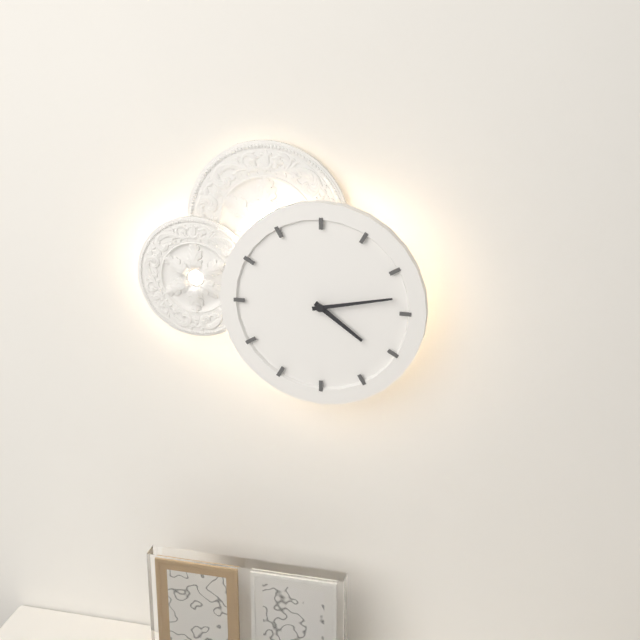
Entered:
4 h 13 min
